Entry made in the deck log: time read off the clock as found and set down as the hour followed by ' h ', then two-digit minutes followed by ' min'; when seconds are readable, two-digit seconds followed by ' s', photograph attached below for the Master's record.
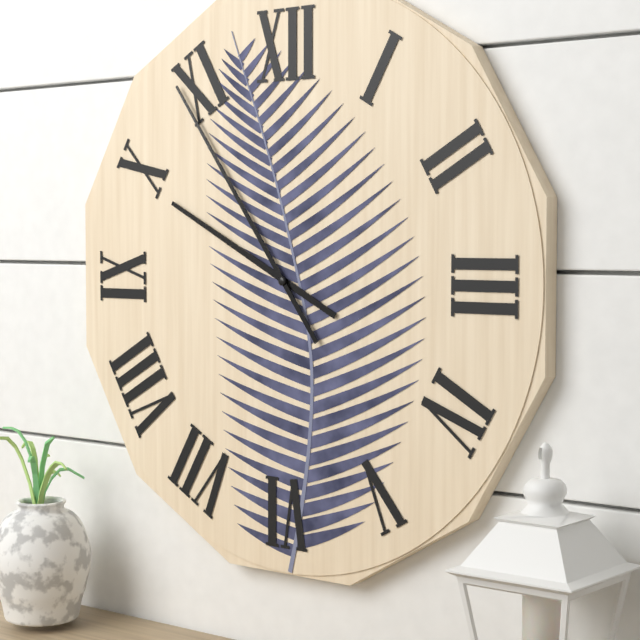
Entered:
9 h 54 min
